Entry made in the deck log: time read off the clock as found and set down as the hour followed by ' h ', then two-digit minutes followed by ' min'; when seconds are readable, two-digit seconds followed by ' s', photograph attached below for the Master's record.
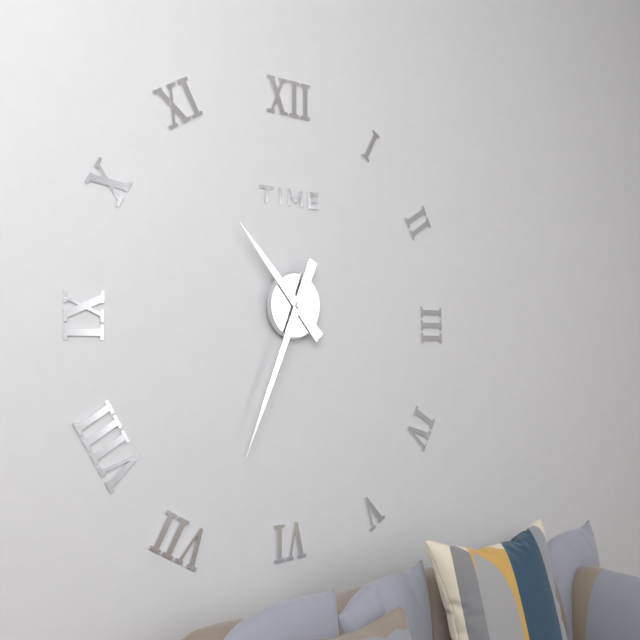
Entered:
10 h 34 min
